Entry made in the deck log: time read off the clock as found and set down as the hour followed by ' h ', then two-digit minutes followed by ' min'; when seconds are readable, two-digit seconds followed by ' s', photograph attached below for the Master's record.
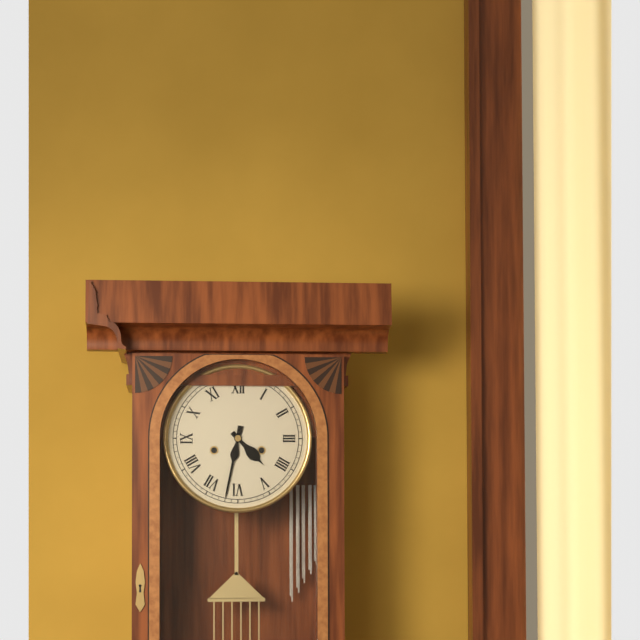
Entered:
4 h 32 min
